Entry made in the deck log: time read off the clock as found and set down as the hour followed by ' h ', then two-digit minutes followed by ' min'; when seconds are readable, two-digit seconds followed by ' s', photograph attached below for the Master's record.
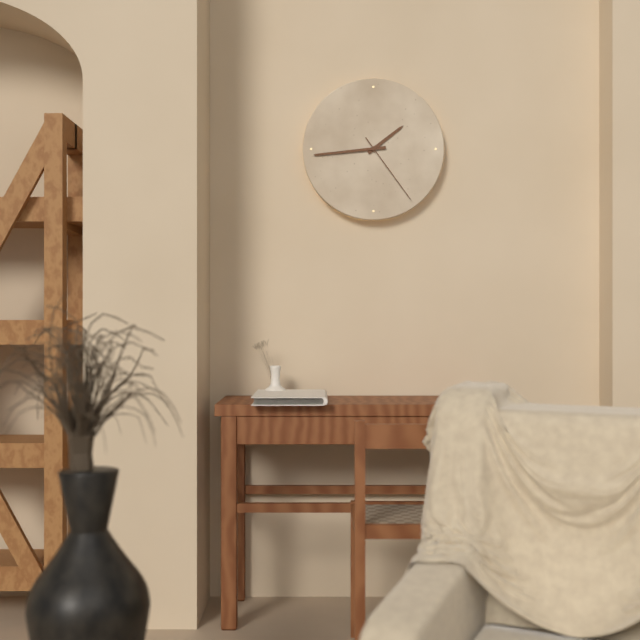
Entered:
1 h 44 min 24 s
